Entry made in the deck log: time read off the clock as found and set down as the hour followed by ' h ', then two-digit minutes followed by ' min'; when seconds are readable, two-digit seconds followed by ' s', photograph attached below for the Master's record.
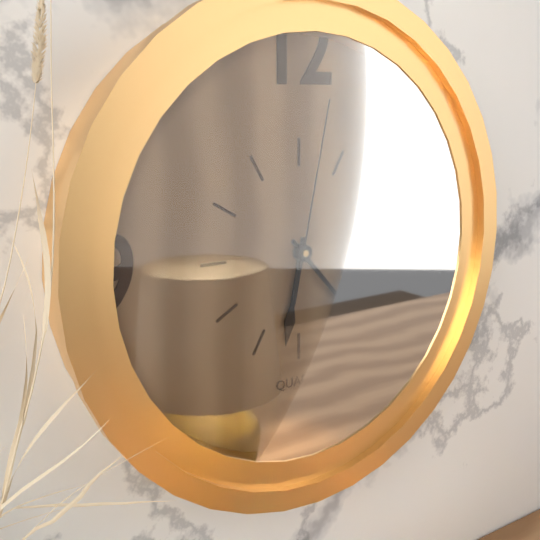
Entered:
6 h 23 min 02 s
